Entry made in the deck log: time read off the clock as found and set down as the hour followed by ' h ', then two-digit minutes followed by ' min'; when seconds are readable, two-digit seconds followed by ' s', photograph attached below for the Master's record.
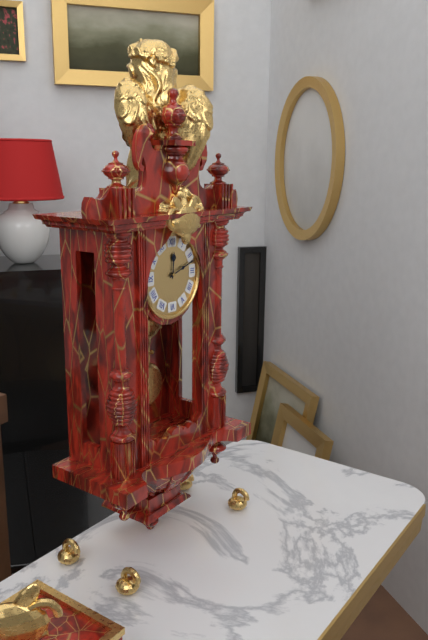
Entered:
12 h 12 min
